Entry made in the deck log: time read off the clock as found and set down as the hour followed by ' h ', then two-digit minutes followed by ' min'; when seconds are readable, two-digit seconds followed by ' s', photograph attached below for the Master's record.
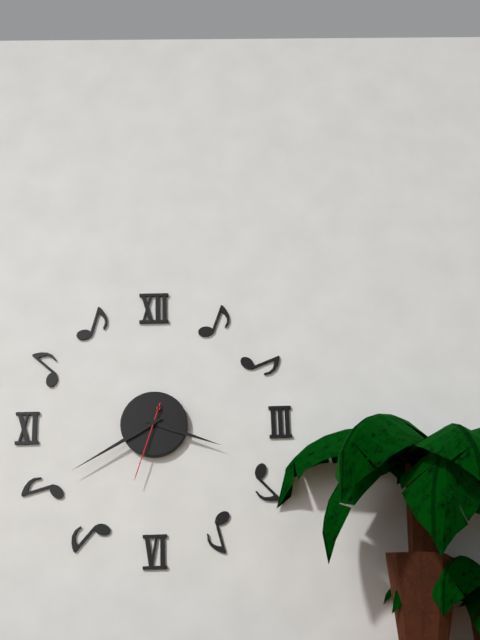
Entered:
3 h 40 min 33 s
